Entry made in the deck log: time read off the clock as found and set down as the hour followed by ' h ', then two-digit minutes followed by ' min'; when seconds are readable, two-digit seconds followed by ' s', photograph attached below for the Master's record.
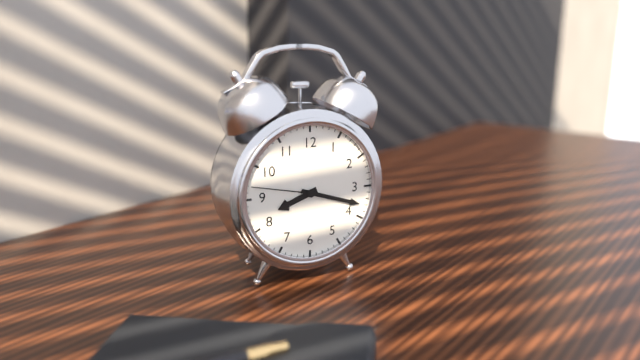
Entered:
8 h 18 min 47 s
